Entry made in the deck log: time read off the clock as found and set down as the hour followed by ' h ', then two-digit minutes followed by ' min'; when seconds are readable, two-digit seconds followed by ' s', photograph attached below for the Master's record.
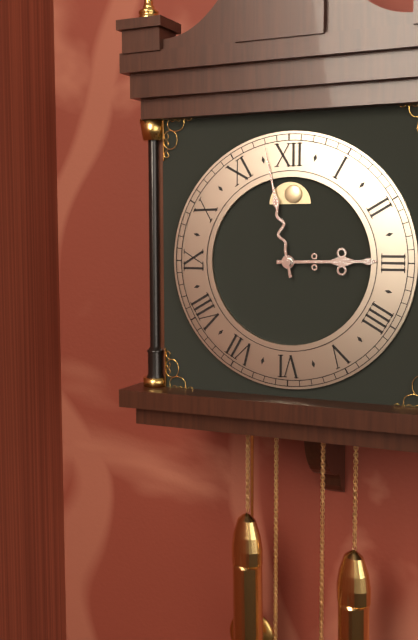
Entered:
2 h 58 min
